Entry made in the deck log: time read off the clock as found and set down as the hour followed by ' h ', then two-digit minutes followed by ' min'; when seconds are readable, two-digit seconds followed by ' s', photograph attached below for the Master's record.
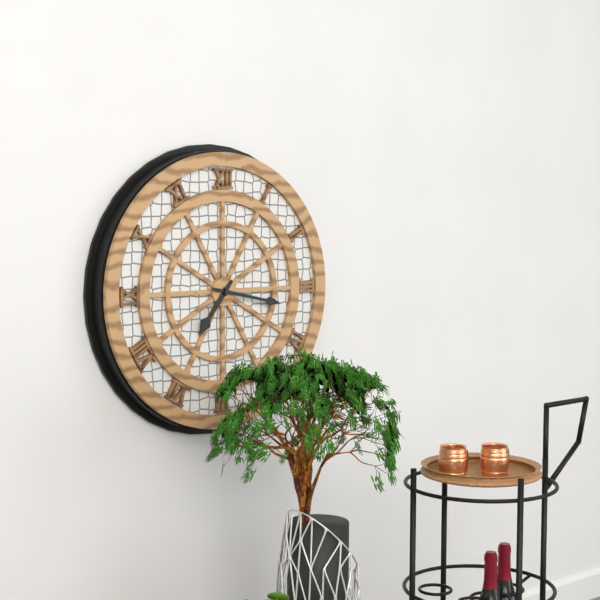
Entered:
7 h 17 min
